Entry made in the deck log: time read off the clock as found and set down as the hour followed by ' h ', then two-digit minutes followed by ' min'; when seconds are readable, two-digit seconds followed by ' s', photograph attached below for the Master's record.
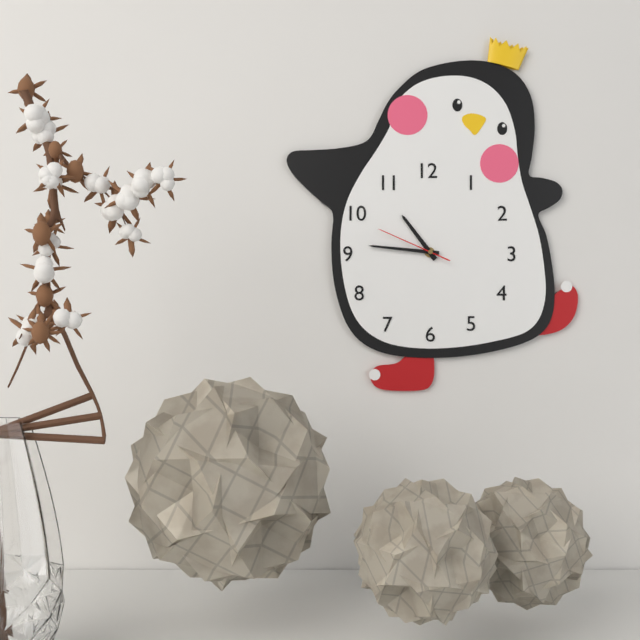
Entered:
10 h 46 min 49 s
